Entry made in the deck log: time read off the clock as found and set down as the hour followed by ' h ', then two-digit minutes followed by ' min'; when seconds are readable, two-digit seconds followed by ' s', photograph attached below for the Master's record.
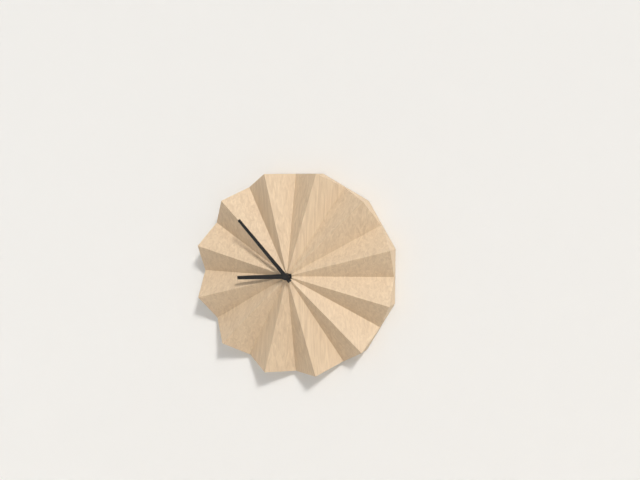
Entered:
8 h 53 min
